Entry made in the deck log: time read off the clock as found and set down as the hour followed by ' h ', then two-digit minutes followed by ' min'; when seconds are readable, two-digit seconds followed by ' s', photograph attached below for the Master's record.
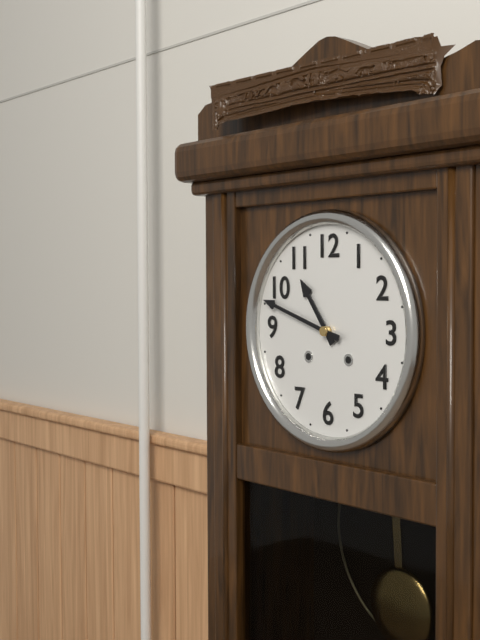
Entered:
10 h 48 min
